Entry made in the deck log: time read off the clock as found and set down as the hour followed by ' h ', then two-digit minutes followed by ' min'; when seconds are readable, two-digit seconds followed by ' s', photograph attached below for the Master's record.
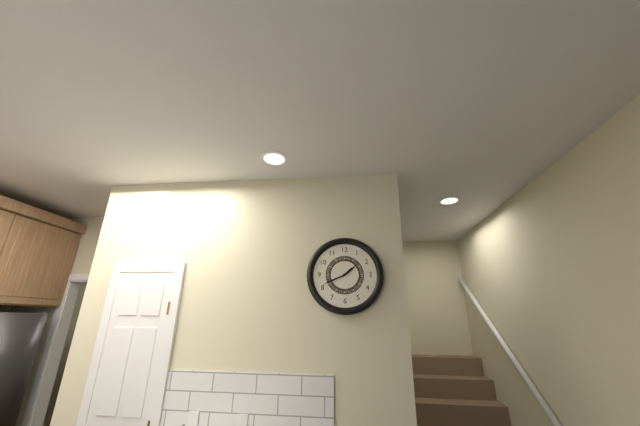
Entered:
1 h 41 min
